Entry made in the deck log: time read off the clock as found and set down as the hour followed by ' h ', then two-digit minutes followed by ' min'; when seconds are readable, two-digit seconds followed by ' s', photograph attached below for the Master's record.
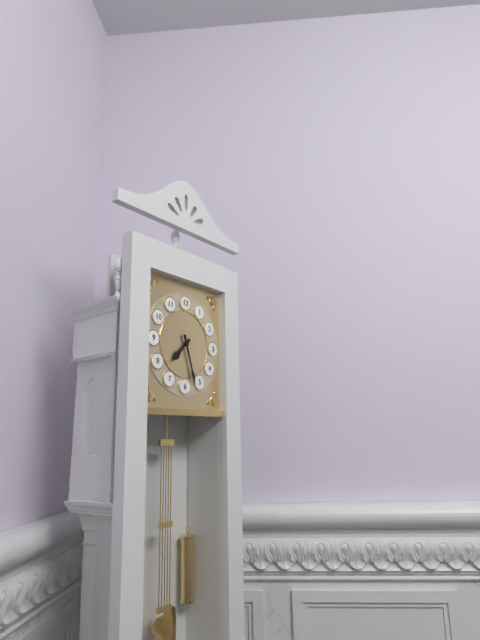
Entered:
7 h 27 min
